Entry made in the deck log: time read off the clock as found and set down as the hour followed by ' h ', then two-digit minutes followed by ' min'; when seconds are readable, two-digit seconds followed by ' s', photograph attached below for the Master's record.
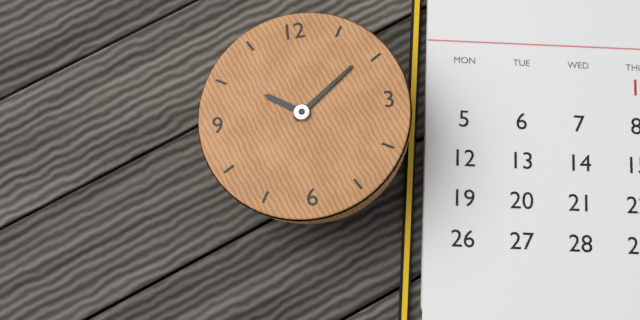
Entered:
10 h 09 min
